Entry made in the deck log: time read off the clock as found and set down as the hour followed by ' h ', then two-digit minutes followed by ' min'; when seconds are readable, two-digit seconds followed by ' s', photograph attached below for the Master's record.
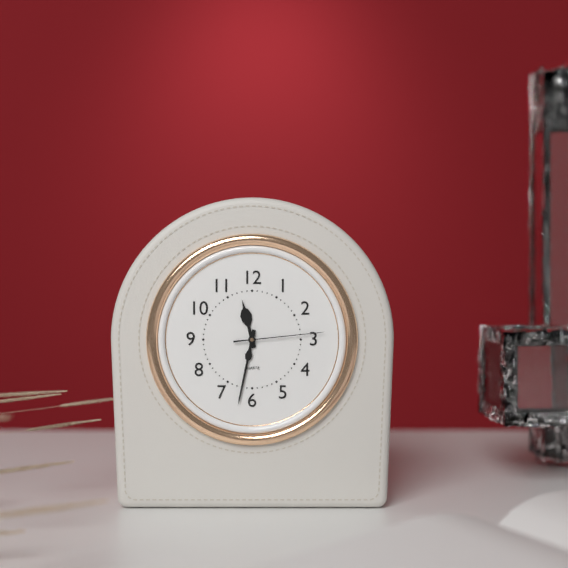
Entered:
11 h 32 min 14 s
